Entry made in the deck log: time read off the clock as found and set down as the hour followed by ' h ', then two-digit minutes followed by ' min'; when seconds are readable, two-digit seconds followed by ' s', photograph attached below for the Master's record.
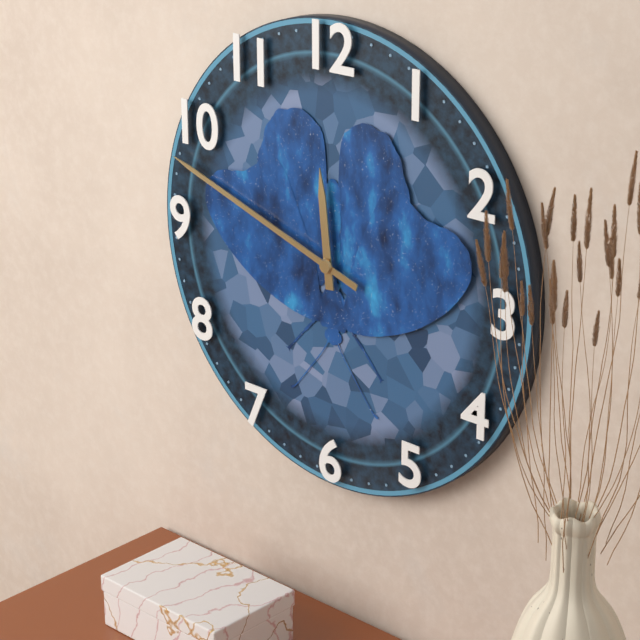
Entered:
11 h 48 min
